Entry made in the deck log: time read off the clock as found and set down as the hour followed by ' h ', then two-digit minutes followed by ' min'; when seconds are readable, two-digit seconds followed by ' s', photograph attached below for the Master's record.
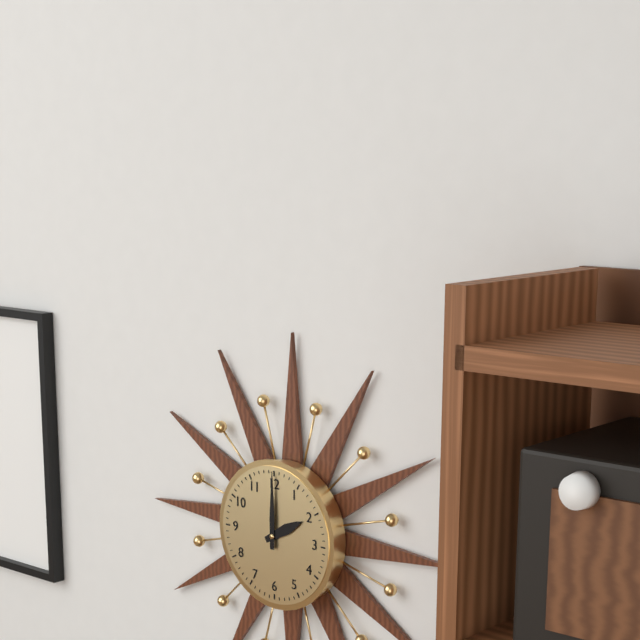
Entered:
2 h 00 min
